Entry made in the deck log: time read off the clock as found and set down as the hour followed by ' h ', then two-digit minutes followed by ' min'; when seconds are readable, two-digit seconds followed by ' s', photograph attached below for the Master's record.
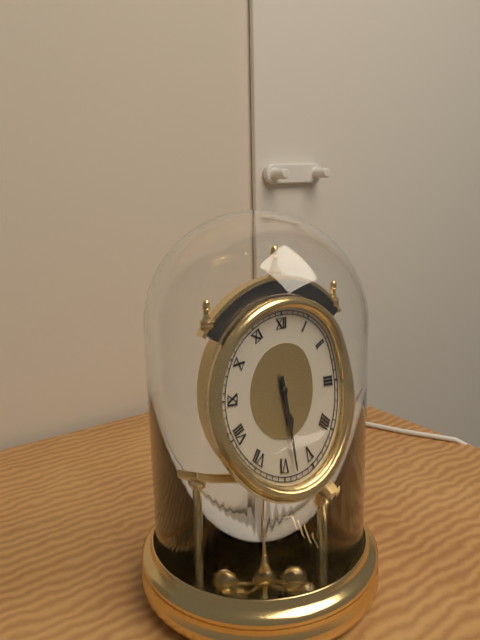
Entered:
5 h 28 min
